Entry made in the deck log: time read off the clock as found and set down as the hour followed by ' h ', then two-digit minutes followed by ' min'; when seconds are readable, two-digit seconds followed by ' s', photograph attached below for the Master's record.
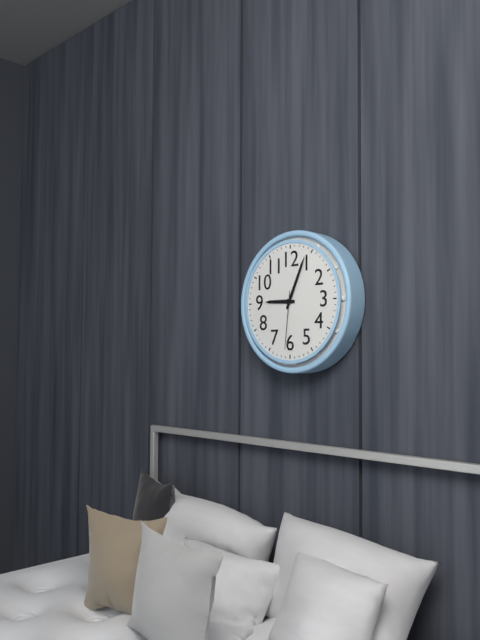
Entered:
9 h 04 min 31 s
